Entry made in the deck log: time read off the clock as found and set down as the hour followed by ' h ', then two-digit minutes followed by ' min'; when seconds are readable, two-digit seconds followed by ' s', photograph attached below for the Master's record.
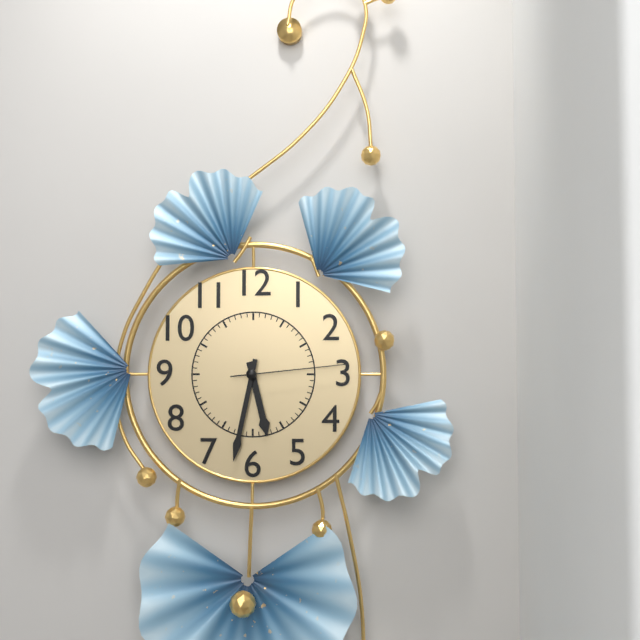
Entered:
5 h 32 min 14 s
